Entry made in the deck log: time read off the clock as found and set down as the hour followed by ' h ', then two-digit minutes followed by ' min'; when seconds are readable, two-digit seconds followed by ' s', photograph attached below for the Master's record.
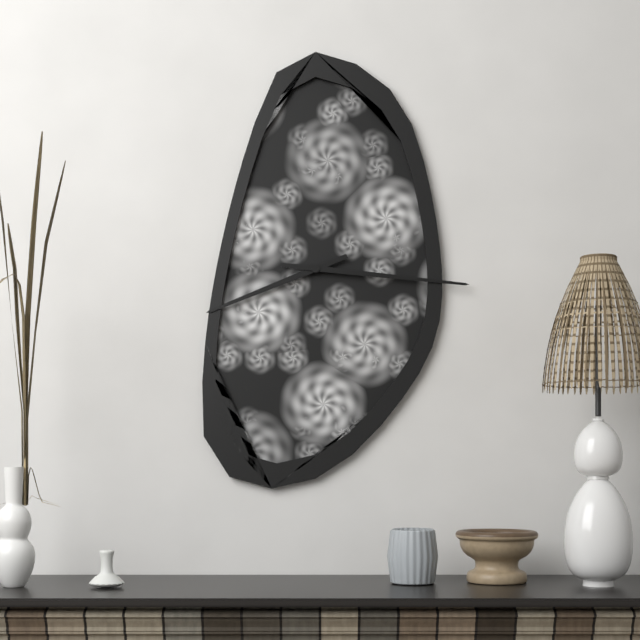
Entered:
8 h 16 min
